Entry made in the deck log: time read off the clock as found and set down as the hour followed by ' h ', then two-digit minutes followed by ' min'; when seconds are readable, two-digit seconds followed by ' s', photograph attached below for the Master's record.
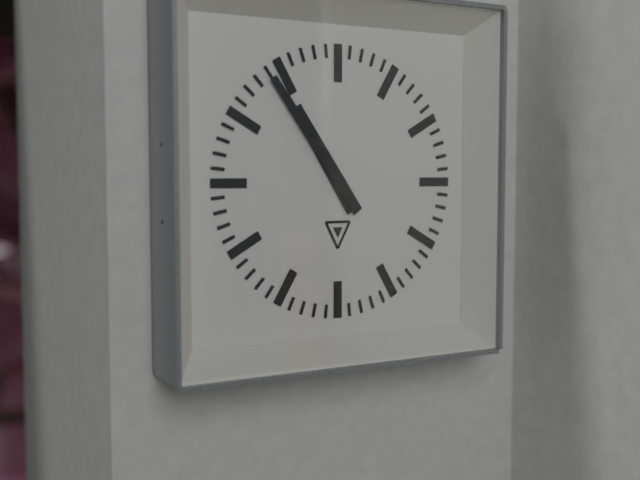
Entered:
10 h 54 min
